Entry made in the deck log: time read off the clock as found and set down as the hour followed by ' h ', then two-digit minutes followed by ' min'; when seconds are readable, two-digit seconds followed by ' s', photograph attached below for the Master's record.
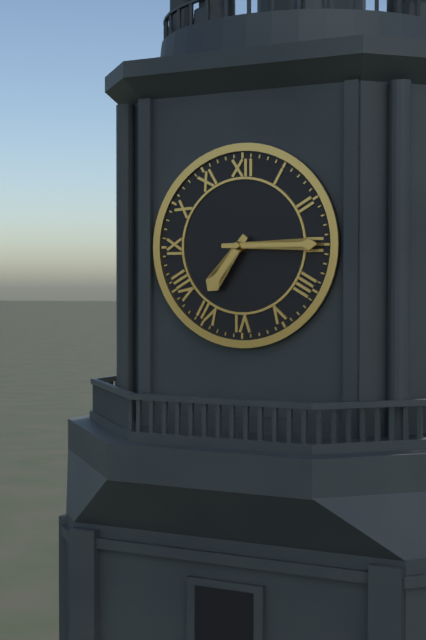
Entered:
7 h 15 min
